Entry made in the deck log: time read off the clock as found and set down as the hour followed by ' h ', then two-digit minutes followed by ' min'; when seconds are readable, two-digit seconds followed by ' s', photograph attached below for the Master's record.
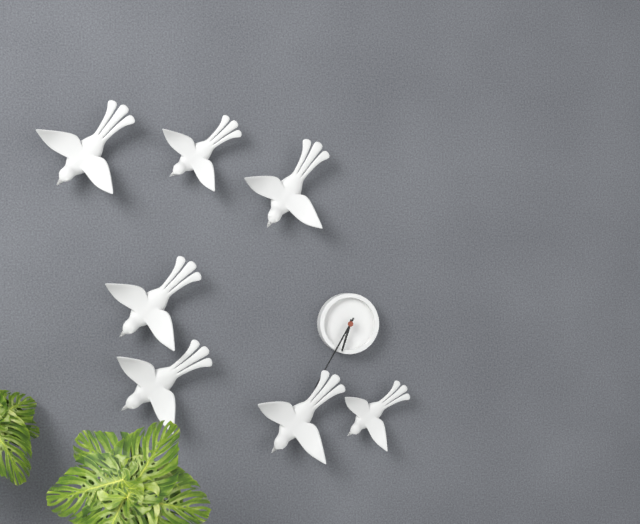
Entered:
6 h 35 min
